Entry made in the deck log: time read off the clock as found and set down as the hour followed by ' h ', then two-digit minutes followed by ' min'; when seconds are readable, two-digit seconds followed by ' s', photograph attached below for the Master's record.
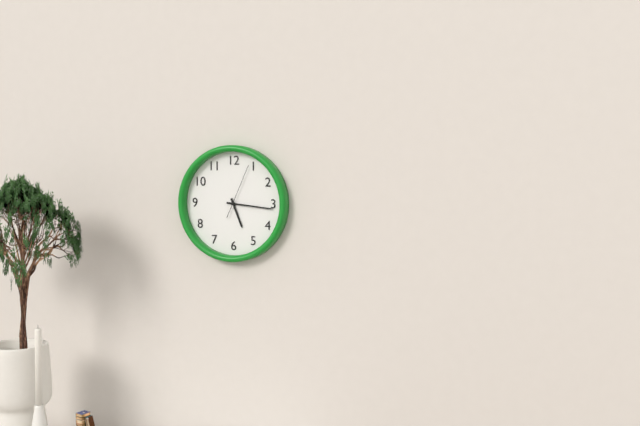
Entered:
5 h 16 min 04 s
